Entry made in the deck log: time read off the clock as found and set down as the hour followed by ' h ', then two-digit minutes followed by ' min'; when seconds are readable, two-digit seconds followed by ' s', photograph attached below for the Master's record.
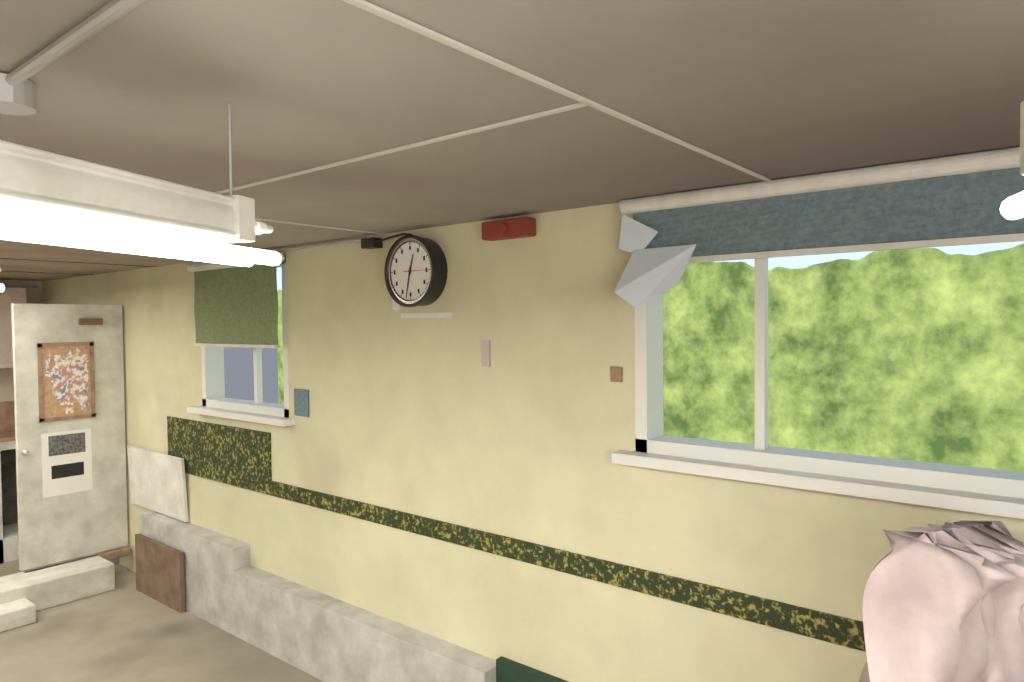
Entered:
12 h 32 min
